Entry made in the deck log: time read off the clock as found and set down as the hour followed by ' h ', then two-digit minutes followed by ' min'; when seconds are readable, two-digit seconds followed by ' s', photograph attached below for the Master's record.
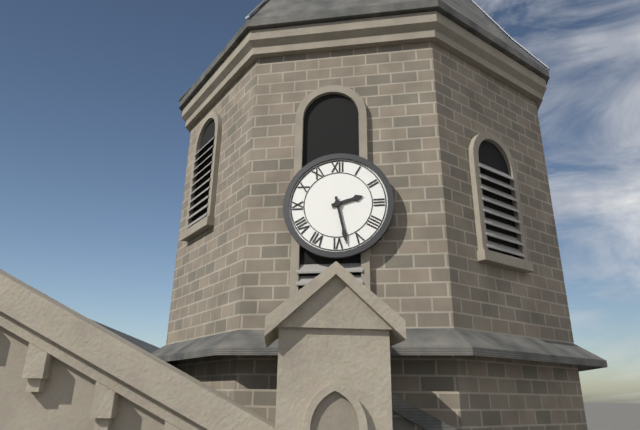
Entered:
2 h 28 min
